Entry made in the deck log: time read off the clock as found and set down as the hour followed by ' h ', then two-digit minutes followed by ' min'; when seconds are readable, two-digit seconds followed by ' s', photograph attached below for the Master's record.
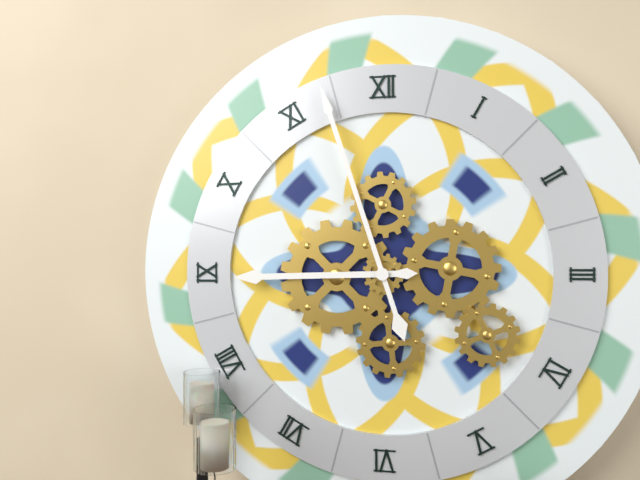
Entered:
8 h 57 min
